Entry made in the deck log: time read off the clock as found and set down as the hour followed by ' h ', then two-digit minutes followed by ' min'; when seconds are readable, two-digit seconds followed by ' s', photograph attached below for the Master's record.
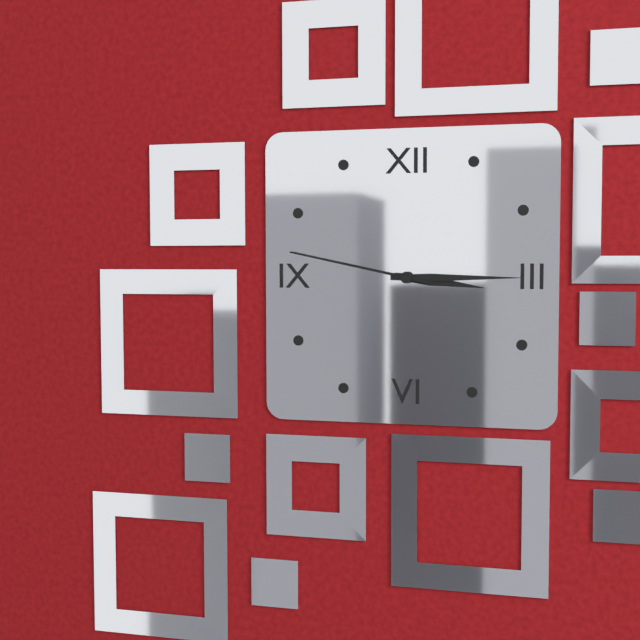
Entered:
3 h 15 min 47 s
